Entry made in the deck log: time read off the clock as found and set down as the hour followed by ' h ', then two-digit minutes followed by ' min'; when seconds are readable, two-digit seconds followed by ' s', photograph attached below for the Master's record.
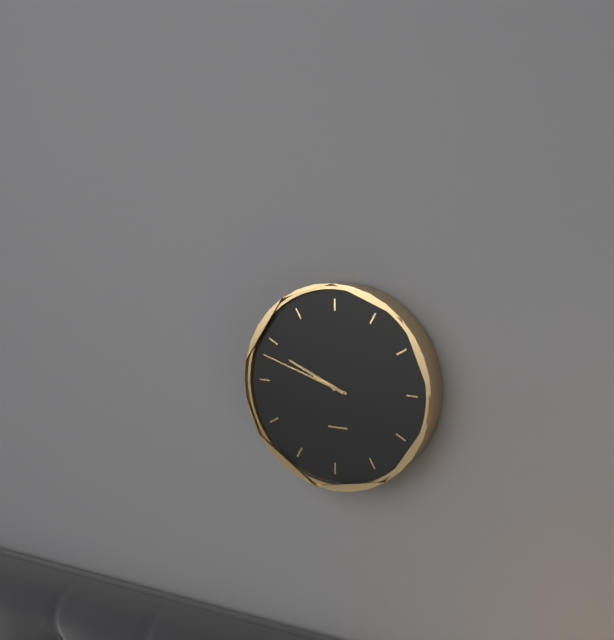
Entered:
9 h 48 min
